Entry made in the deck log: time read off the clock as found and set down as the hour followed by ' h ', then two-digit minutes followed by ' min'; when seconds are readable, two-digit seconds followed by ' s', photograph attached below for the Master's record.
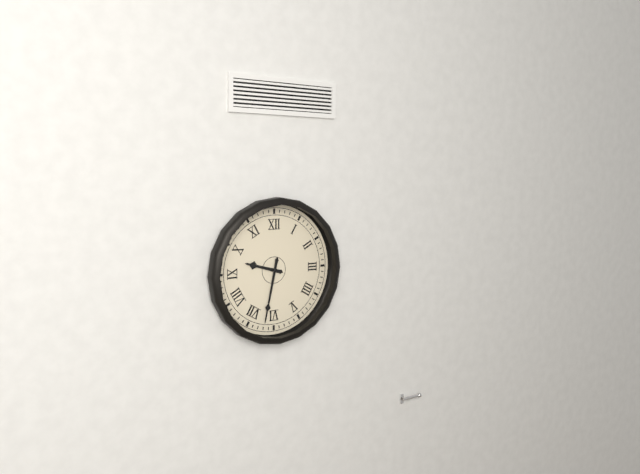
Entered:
9 h 32 min
